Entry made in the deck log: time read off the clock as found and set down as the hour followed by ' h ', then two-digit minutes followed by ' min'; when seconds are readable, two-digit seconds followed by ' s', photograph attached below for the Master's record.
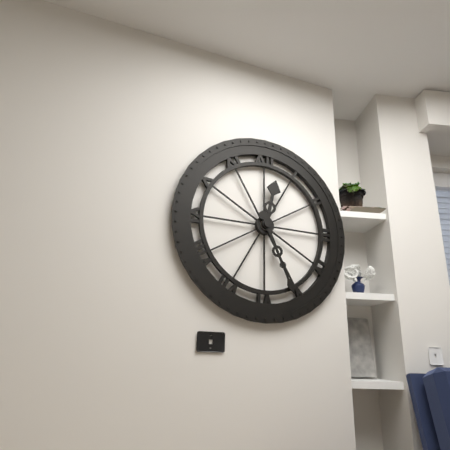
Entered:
12 h 26 min
